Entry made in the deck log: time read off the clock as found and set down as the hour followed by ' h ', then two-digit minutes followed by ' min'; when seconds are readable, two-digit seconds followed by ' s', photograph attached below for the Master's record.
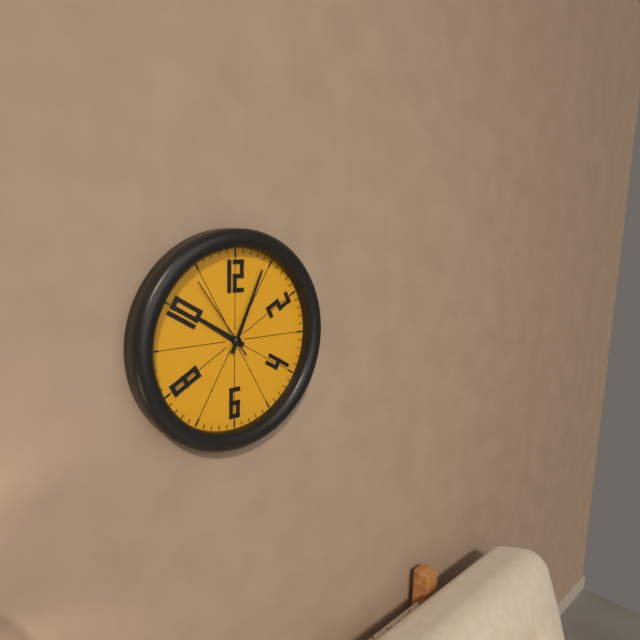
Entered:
10 h 04 min 54 s
